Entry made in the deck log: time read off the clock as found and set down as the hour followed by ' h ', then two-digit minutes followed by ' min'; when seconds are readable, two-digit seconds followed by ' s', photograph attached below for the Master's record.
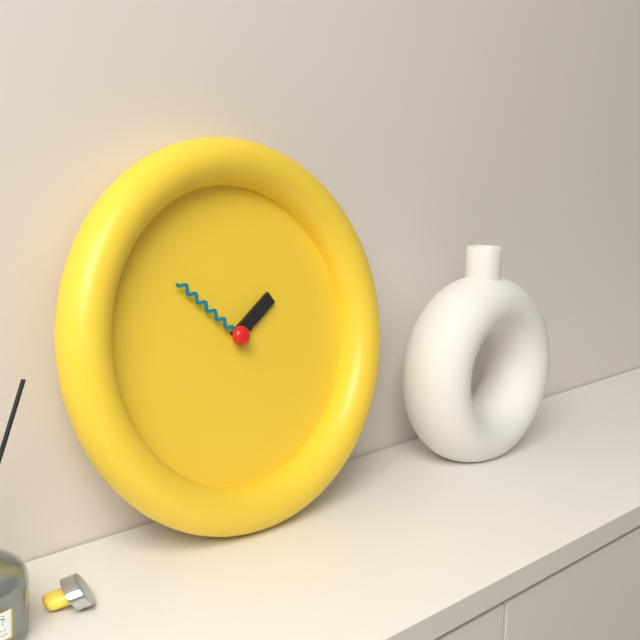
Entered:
1 h 52 min
